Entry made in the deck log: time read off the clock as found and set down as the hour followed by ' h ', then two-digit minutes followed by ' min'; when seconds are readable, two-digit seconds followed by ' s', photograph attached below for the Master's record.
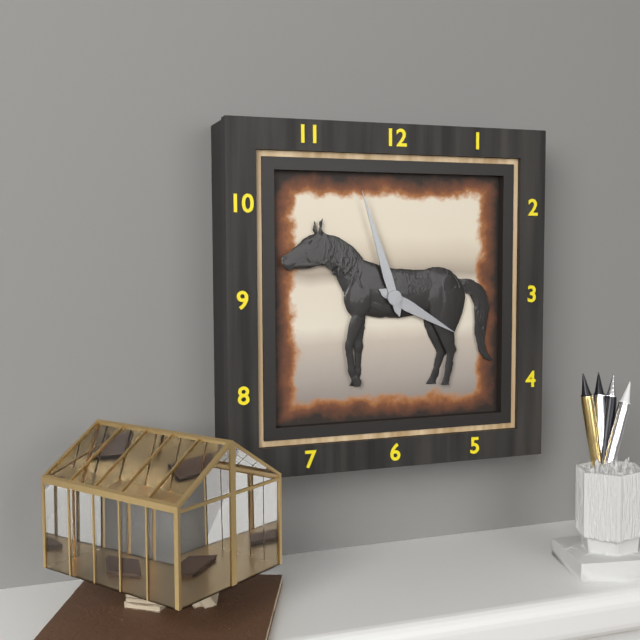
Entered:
3 h 57 min
